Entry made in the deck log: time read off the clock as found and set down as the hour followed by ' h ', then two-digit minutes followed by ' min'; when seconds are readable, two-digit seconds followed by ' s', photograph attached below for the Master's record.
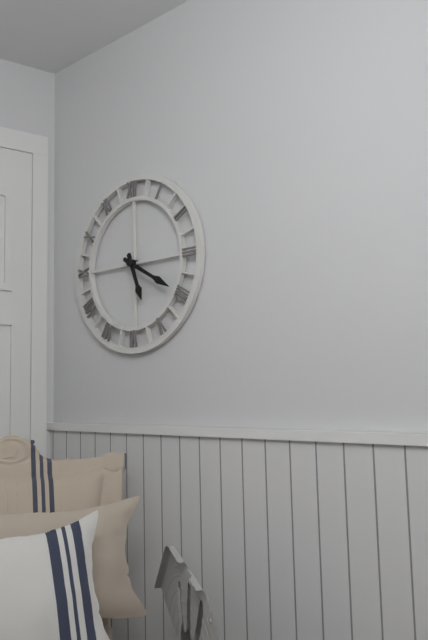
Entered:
5 h 20 min
